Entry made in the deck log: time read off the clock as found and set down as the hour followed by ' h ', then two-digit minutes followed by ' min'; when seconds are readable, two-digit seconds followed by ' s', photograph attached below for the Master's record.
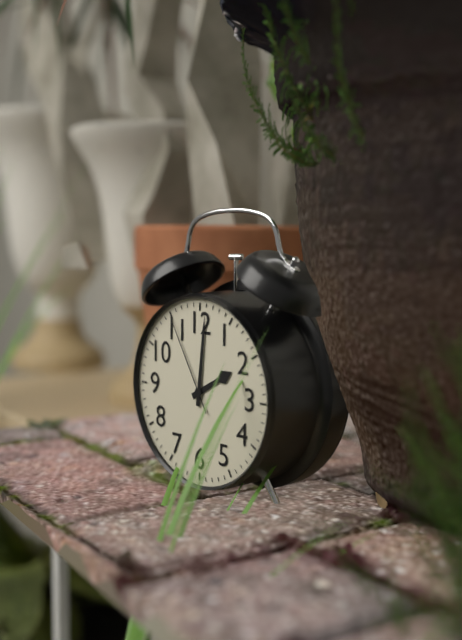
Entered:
2 h 01 min 55 s
